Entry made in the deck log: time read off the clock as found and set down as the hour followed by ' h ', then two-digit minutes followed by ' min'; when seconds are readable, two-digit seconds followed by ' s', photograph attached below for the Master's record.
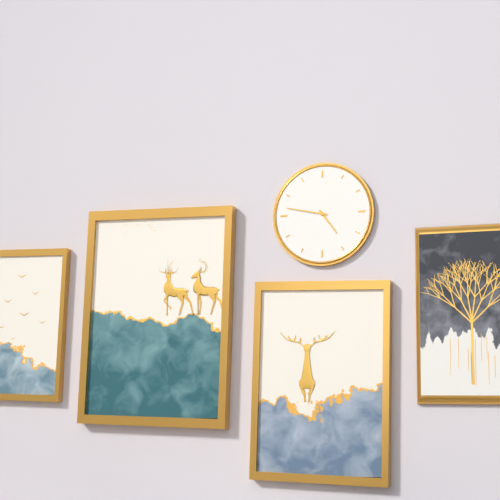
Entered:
4 h 47 min
